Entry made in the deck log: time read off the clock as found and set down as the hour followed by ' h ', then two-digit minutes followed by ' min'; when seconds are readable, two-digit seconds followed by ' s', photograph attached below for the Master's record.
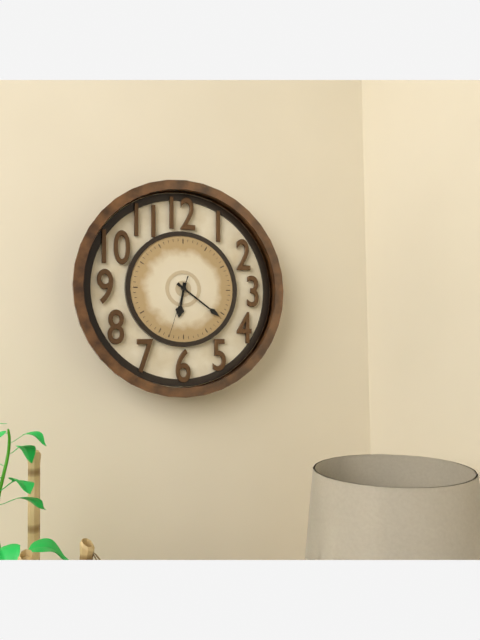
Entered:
6 h 21 min 33 s
